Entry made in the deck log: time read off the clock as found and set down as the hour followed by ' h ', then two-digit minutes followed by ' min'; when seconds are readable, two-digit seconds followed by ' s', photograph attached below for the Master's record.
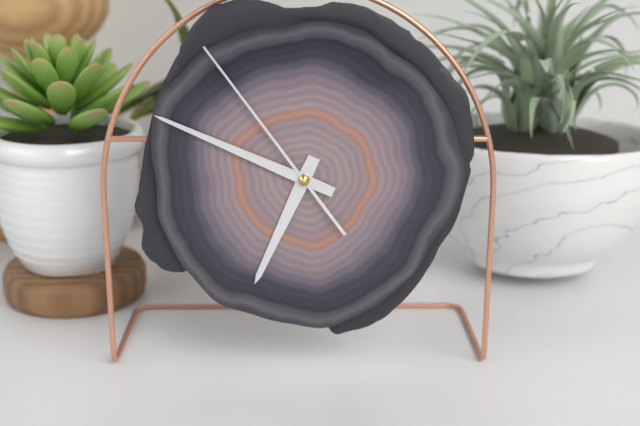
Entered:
6 h 49 min 54 s
